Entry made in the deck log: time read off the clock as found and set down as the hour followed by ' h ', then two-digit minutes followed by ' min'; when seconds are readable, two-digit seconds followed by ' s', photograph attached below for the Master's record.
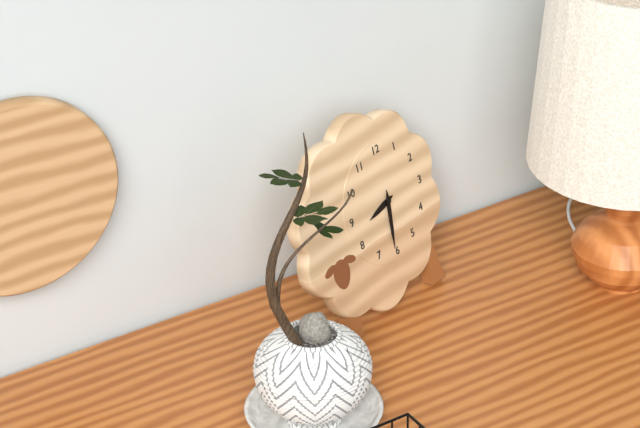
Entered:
8 h 31 min
